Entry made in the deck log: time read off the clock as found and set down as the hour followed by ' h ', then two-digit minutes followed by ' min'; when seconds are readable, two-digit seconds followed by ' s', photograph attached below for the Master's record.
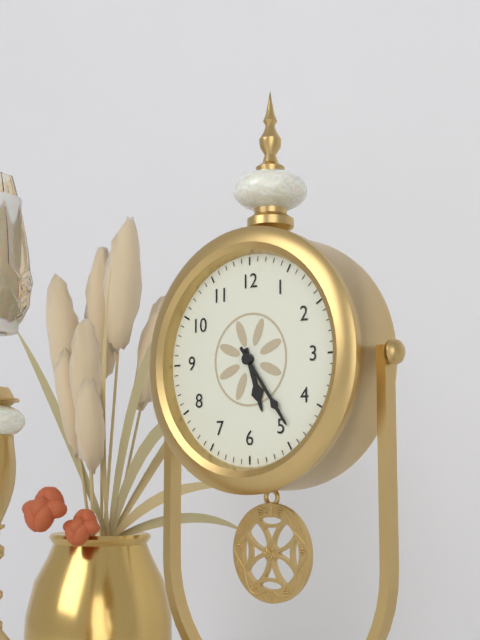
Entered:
5 h 24 min
